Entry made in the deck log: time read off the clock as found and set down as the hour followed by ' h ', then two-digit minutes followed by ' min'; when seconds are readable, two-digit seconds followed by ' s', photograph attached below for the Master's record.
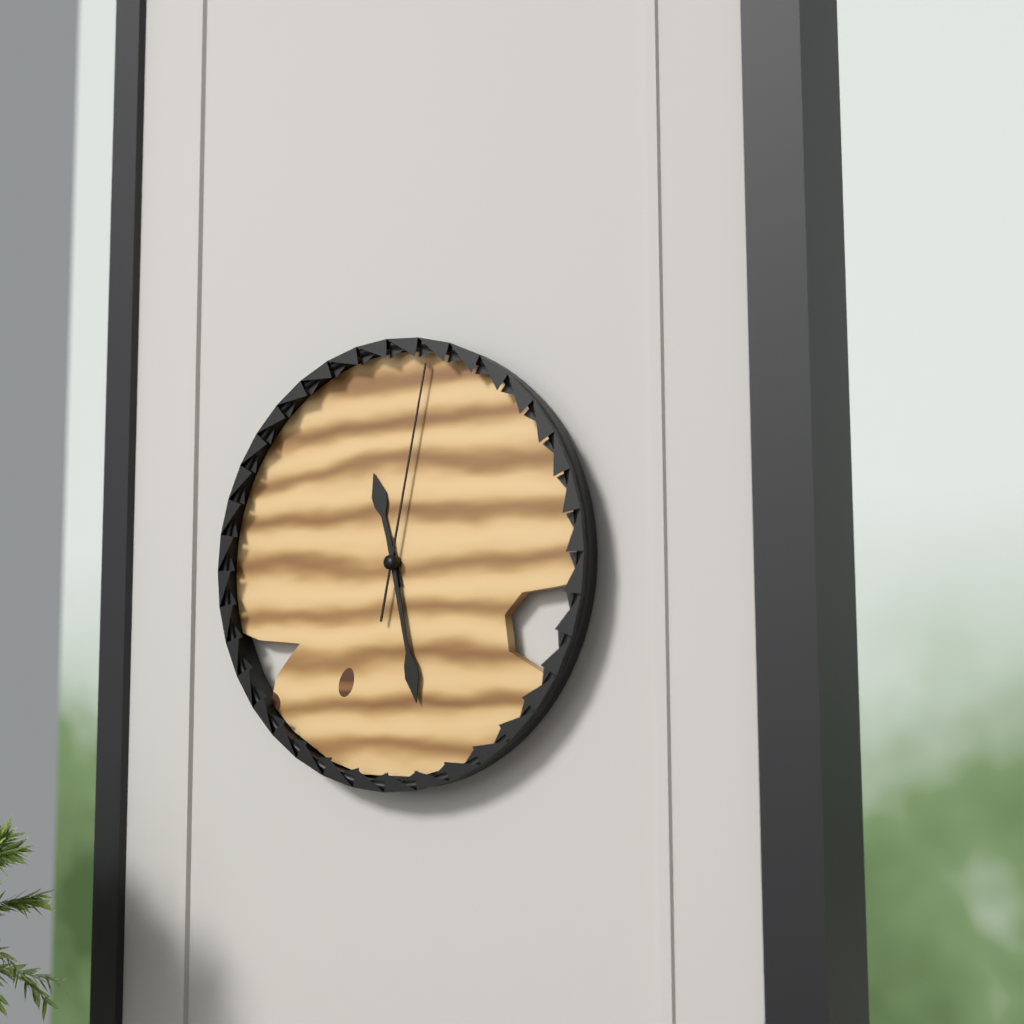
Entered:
11 h 28 min 02 s
